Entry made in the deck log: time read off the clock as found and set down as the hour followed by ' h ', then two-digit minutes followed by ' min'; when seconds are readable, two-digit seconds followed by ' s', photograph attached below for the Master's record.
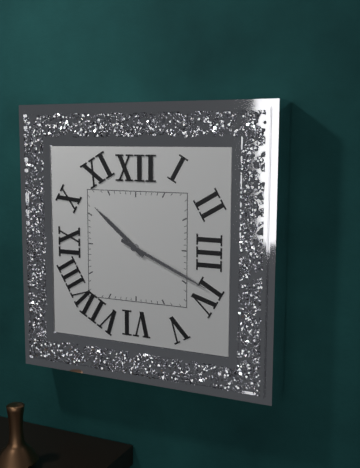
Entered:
10 h 19 min
